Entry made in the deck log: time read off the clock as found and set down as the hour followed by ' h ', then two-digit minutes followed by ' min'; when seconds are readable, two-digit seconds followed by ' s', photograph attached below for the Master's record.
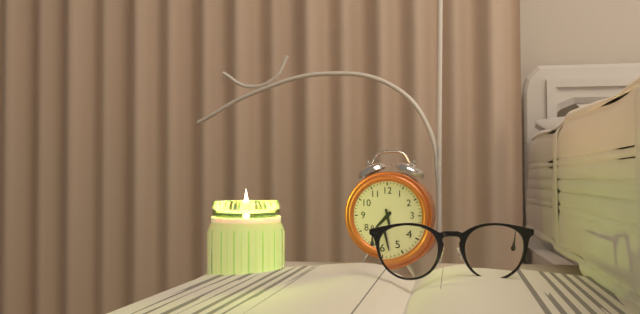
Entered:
7 h 28 min
